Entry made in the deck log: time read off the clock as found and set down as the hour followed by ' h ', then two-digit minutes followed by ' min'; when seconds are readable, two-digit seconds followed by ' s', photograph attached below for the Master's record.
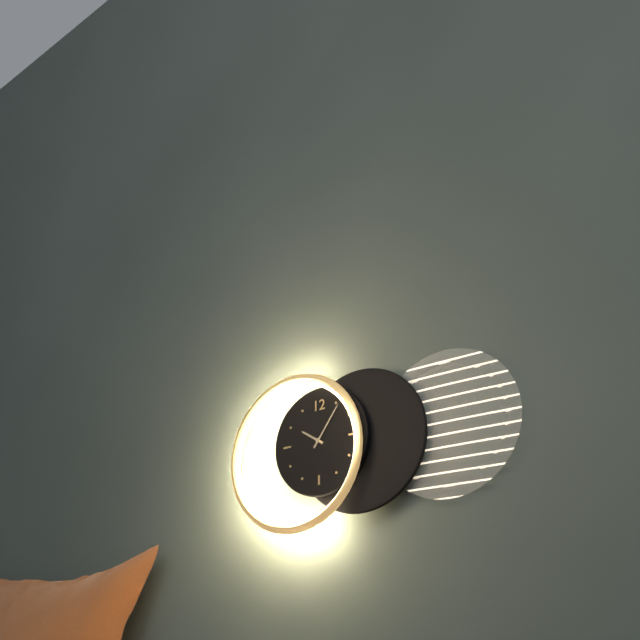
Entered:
10 h 06 min
